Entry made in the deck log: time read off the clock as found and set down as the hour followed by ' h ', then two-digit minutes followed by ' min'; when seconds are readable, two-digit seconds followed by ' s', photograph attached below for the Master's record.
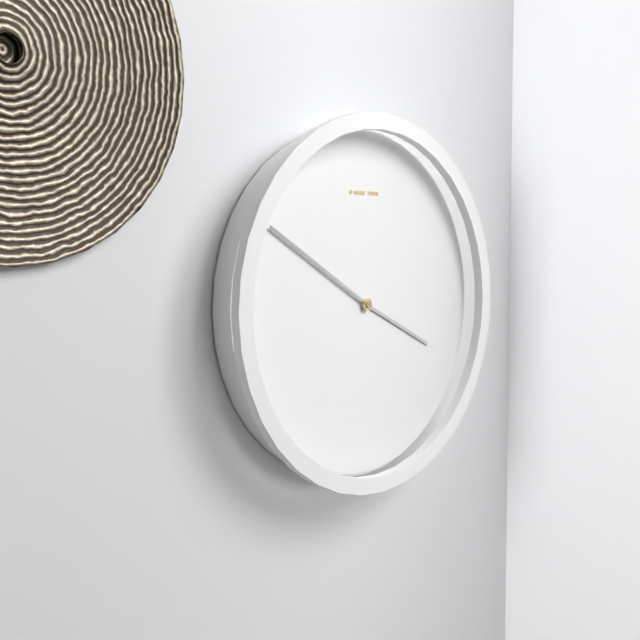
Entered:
3 h 50 min
